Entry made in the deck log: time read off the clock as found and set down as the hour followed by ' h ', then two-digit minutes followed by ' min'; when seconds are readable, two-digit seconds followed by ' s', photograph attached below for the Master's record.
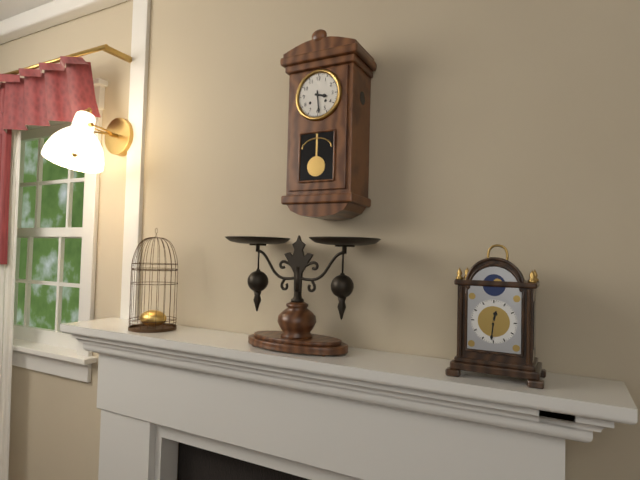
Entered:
3 h 29 min
